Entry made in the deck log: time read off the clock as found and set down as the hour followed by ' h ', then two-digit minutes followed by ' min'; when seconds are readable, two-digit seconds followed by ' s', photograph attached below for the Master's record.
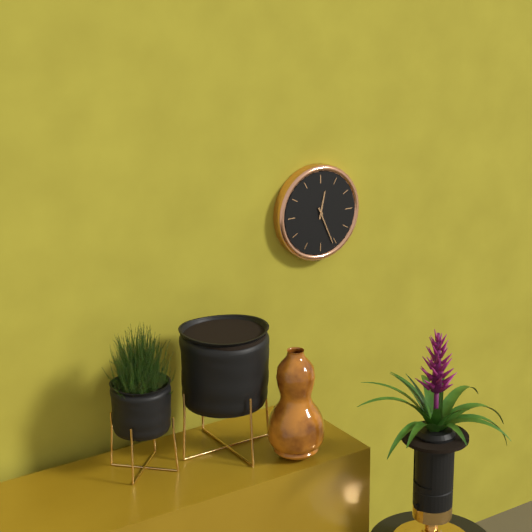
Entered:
12 h 26 min
